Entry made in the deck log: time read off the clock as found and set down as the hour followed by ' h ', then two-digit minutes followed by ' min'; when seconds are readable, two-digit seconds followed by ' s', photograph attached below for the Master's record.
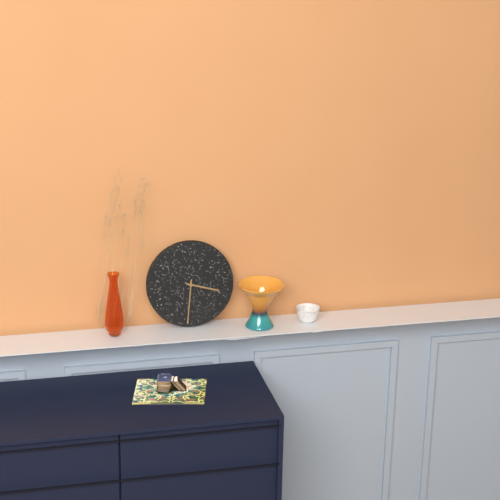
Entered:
3 h 31 min
